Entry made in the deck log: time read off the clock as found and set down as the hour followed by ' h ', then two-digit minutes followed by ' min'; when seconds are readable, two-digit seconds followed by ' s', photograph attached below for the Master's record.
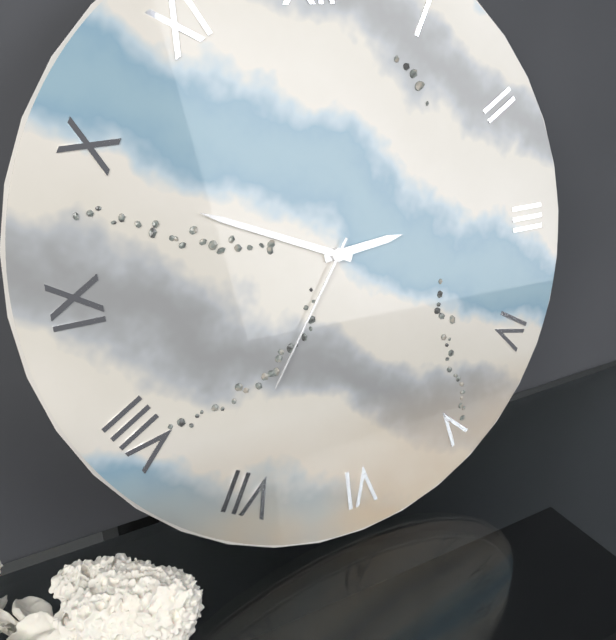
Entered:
2 h 49 min 36 s
